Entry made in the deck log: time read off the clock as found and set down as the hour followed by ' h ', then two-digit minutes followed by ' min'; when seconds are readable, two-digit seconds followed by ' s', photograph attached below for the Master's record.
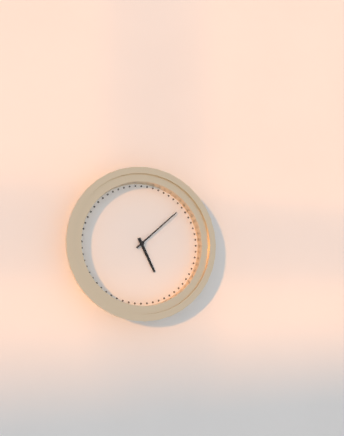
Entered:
5 h 08 min
